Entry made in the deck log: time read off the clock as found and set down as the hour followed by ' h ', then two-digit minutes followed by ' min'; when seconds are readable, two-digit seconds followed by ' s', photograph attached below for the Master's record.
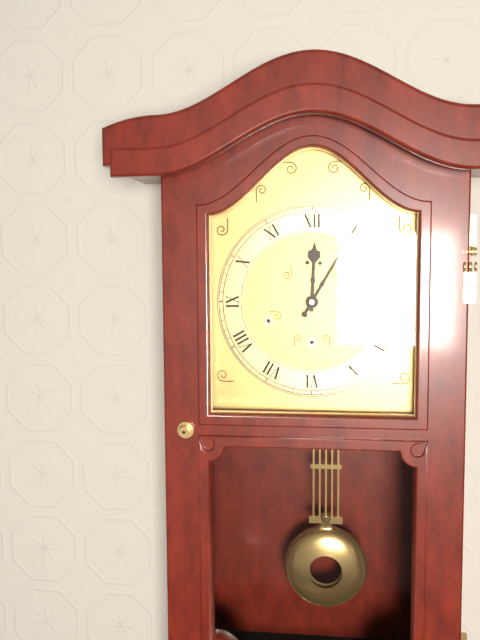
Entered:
12 h 05 min
